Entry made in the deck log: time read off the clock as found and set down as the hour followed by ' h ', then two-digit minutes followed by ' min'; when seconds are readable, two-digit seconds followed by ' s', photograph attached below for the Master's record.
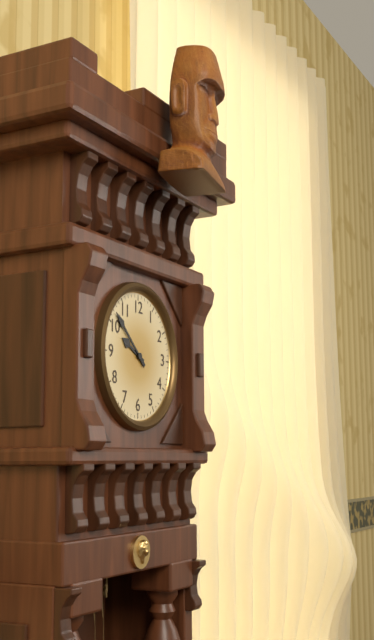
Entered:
9 h 52 min
